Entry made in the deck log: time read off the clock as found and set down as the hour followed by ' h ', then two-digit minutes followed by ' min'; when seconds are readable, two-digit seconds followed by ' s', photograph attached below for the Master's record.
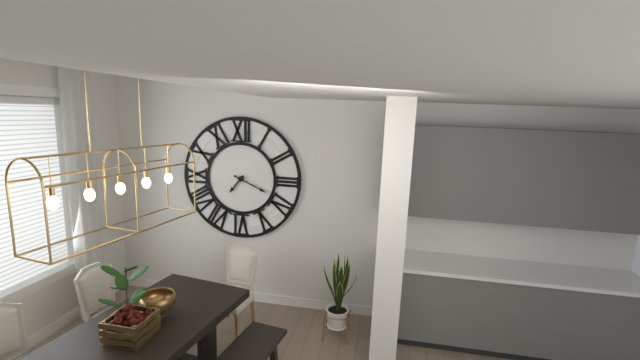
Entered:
7 h 19 min
